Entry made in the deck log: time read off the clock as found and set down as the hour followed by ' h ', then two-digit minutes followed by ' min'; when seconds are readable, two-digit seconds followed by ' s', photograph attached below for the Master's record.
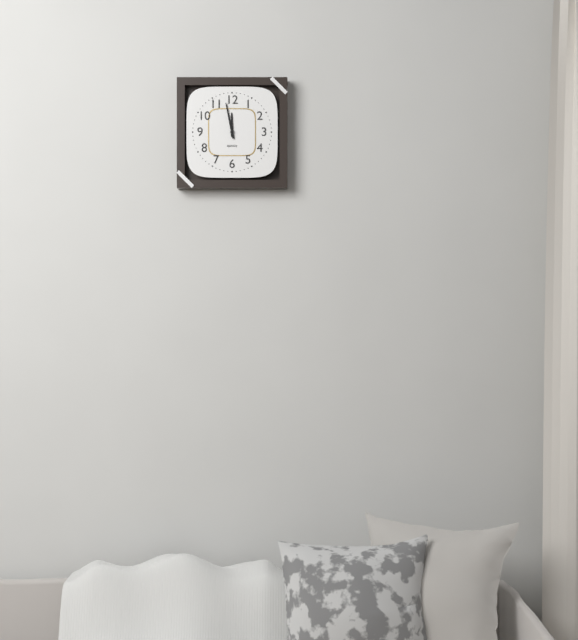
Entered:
11 h 58 min
